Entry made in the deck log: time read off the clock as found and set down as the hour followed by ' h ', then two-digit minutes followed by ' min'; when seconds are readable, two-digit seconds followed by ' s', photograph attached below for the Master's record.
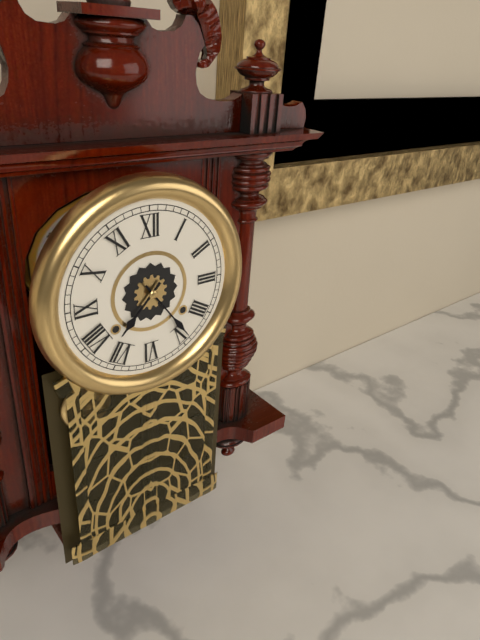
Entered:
7 h 24 min
